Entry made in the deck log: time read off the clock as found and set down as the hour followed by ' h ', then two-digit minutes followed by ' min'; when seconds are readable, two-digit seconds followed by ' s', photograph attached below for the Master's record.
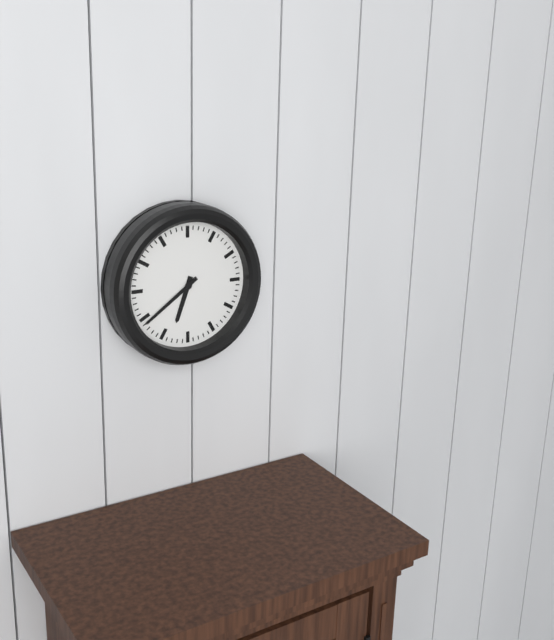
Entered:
6 h 39 min
